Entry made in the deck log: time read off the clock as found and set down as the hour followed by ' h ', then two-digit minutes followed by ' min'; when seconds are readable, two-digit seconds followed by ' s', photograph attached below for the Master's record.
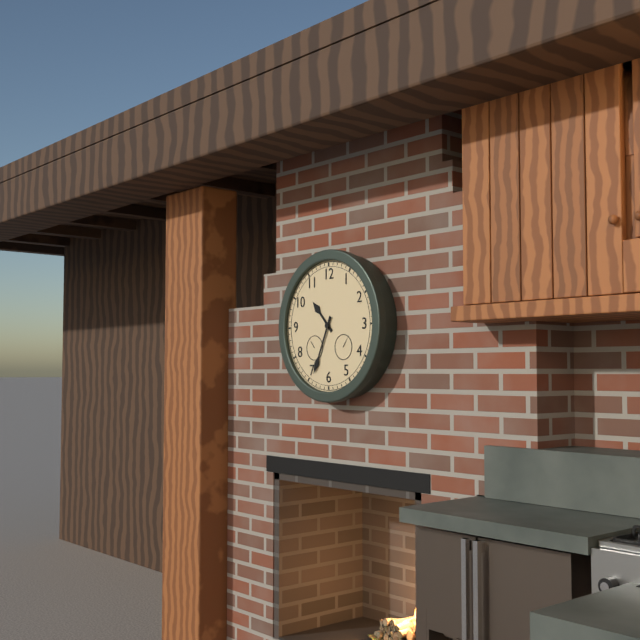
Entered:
10 h 34 min
